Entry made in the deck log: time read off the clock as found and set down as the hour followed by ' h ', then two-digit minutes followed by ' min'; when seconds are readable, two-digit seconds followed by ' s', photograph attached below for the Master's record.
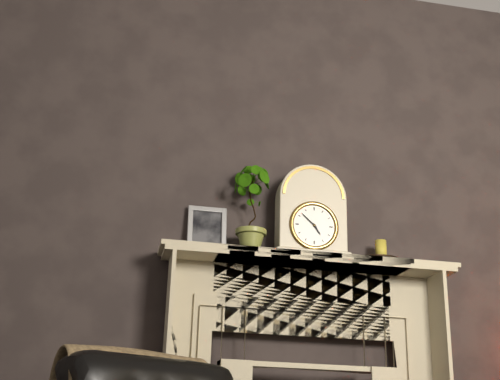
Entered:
4 h 52 min
